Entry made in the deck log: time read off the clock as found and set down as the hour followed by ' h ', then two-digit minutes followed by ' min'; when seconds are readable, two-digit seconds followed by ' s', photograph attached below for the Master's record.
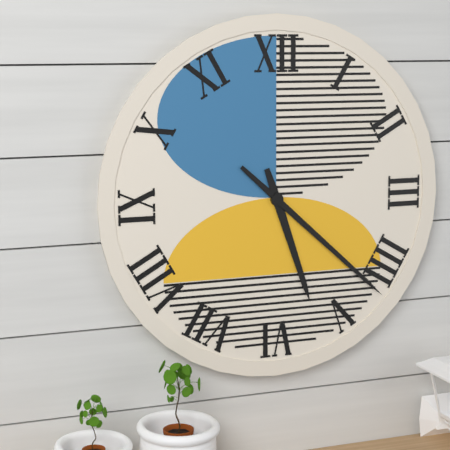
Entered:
5 h 22 min
